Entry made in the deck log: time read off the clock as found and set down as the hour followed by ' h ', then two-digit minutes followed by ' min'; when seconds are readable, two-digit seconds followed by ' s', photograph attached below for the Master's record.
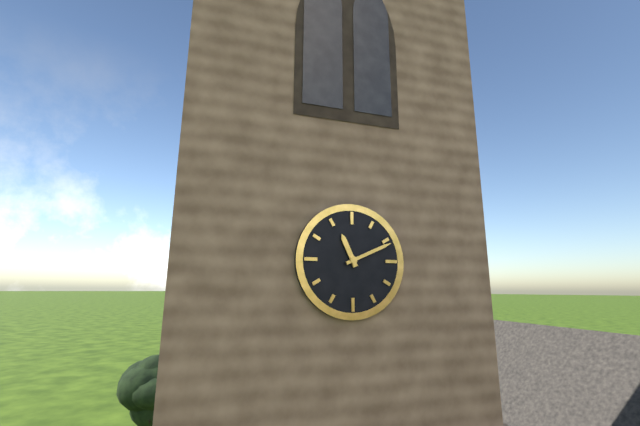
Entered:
11 h 11 min
